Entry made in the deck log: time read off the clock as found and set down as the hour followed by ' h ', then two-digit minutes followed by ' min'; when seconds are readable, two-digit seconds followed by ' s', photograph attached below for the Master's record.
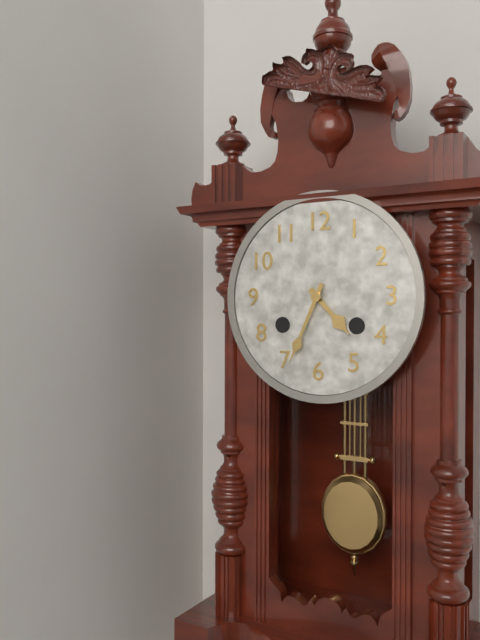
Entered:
4 h 34 min
